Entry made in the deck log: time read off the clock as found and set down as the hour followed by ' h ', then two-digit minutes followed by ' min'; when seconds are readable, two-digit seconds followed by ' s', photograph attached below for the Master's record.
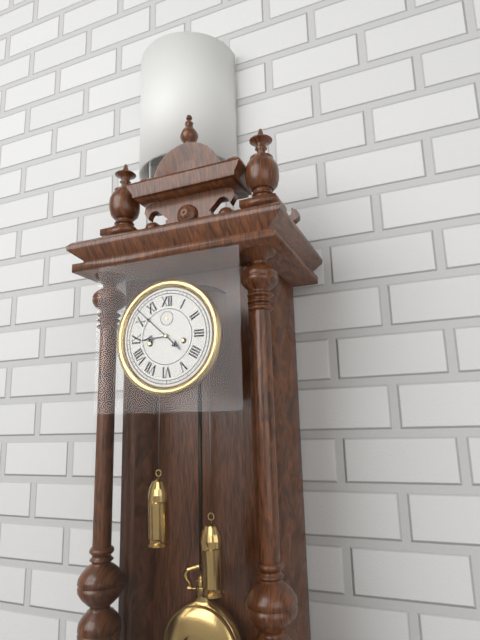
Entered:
8 h 52 min
